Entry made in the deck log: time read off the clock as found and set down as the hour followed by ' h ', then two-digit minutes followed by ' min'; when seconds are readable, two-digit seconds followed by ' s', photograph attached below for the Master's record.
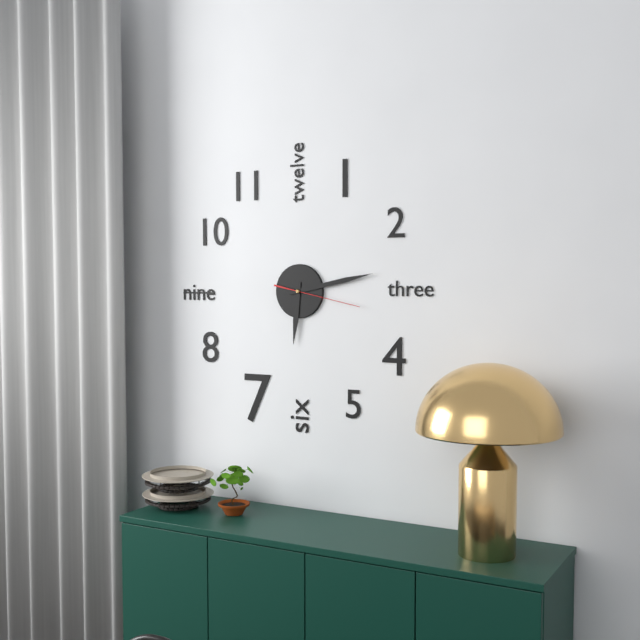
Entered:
6 h 13 min 17 s
